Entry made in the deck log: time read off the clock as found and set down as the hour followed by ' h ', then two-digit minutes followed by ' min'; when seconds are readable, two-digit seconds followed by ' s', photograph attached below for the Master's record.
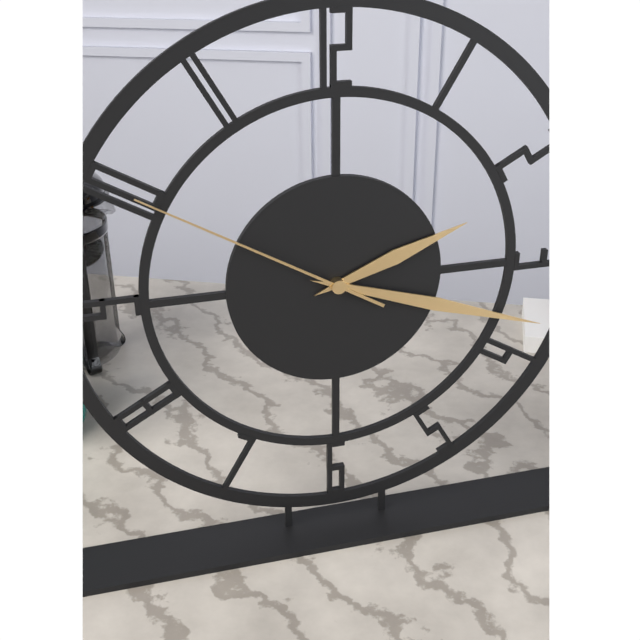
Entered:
2 h 18 min 50 s
